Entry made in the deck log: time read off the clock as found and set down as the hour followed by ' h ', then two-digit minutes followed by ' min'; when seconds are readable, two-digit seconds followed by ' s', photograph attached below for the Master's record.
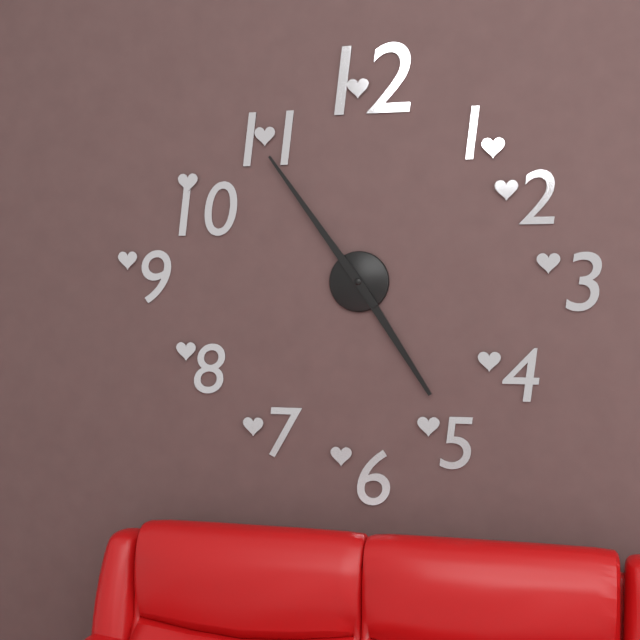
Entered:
4 h 54 min
